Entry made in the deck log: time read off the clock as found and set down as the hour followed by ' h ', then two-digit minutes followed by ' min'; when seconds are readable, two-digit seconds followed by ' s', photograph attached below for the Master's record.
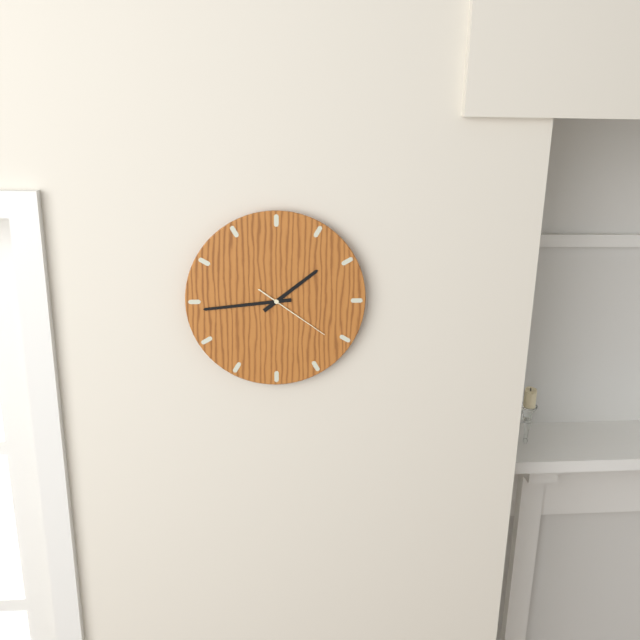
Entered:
1 h 44 min 21 s
